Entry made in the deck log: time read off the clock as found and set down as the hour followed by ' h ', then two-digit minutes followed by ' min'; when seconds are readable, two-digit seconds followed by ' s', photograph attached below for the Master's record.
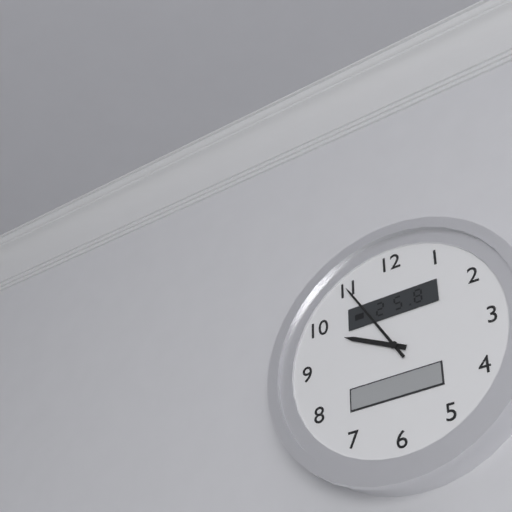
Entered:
9 h 55 min
